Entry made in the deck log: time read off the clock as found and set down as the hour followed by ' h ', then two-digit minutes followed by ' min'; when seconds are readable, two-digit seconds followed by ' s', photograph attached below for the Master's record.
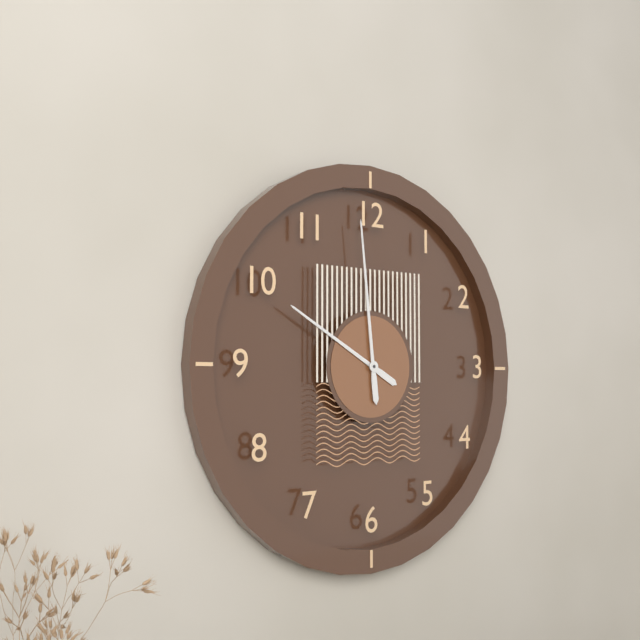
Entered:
9 h 59 min
